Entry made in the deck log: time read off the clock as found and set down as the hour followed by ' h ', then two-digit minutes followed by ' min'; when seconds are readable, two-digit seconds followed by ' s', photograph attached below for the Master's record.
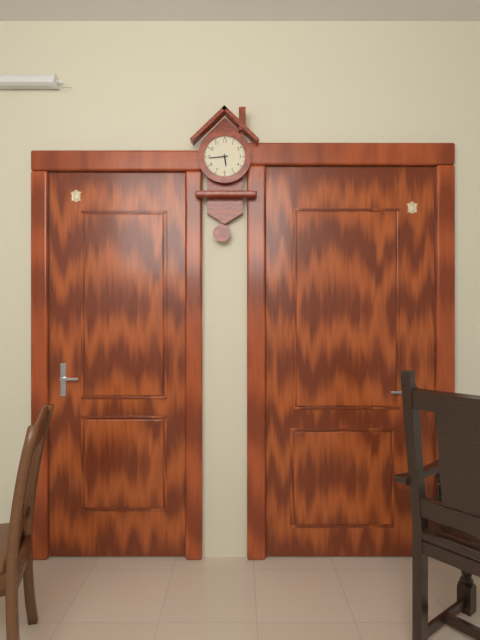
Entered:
5 h 44 min
